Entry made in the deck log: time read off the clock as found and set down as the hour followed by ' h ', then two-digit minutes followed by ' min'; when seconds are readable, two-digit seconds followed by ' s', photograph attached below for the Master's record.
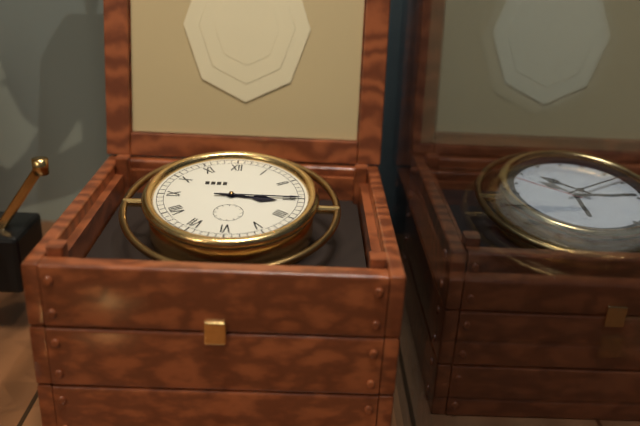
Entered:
3 h 15 min
